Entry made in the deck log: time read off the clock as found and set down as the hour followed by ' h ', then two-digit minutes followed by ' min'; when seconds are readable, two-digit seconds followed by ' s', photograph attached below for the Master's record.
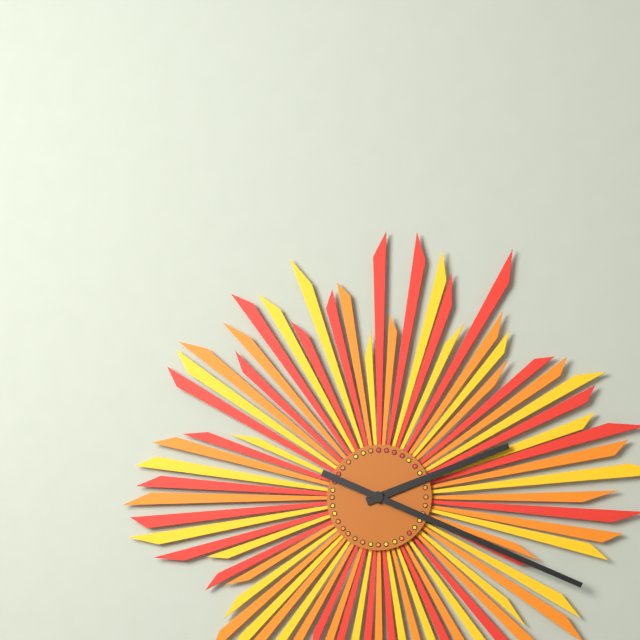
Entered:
2 h 19 min
